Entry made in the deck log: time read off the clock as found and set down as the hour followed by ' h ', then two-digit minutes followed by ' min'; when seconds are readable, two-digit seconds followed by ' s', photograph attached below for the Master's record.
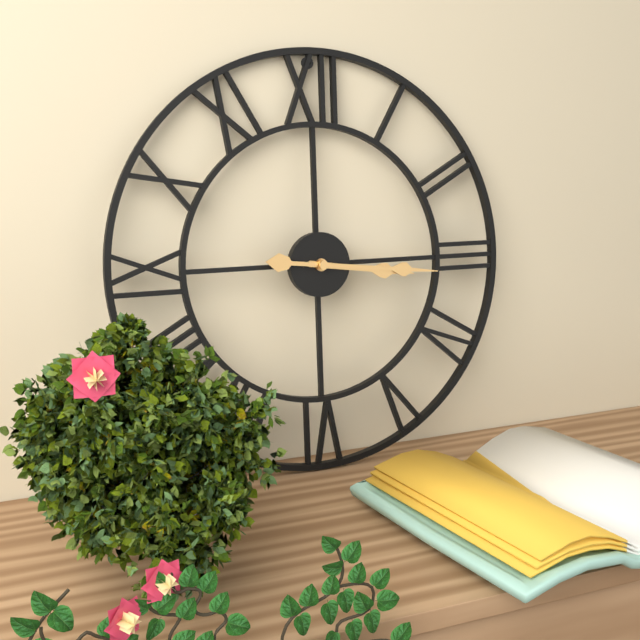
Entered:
3 h 16 min
